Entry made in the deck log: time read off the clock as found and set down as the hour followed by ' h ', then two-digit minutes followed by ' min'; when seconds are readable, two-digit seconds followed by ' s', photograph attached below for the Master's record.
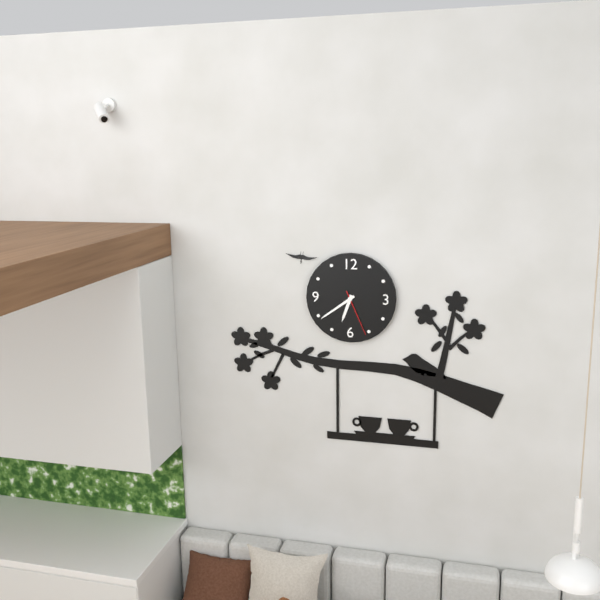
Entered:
6 h 39 min
